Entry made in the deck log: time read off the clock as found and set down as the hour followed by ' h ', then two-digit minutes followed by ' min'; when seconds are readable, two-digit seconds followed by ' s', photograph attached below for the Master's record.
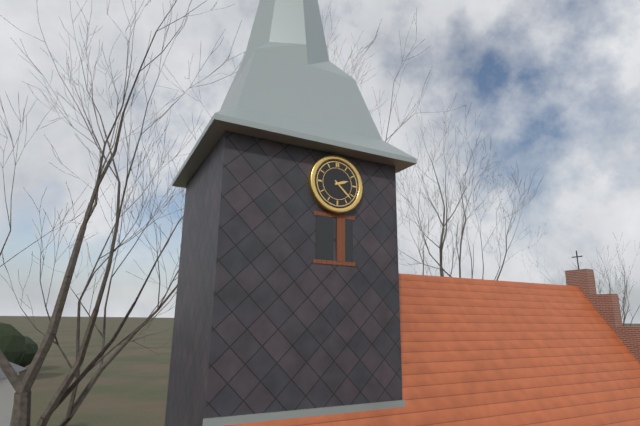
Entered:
2 h 22 min
